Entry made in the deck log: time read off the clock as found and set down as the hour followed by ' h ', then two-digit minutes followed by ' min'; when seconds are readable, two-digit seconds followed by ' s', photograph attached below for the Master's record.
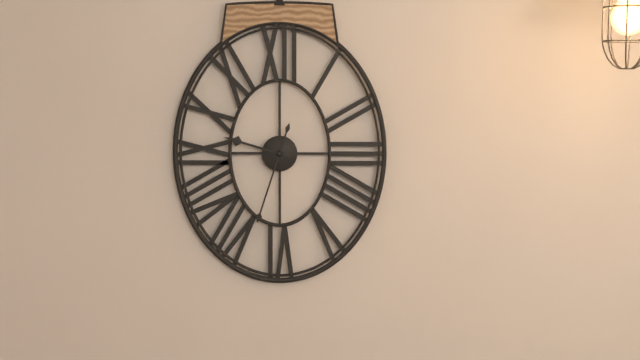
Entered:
9 h 33 min
